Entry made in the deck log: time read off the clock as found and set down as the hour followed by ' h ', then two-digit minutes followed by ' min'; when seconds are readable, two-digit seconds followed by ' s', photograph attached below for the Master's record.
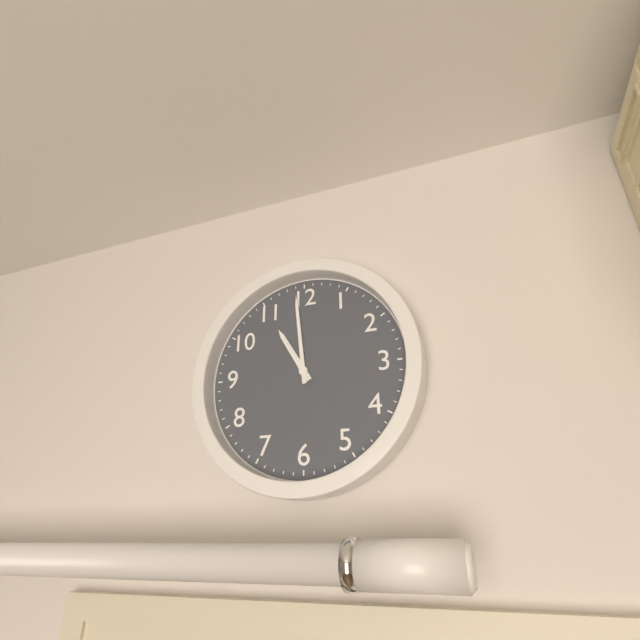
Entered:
10 h 59 min
